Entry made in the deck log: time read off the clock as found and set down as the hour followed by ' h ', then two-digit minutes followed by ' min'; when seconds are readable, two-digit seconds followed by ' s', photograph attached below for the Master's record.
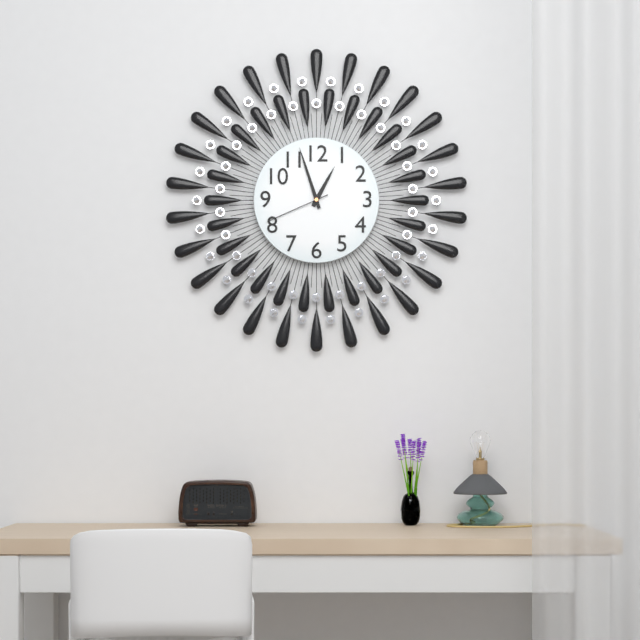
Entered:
12 h 57 min 41 s
